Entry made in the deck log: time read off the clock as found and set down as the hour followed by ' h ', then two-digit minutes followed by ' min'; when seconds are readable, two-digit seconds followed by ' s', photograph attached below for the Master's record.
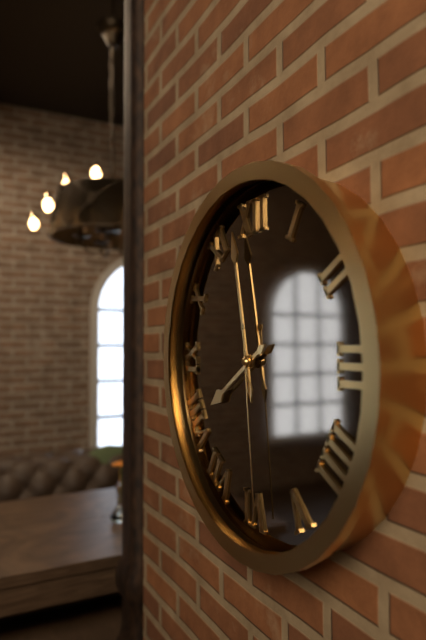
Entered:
7 h 58 min 29 s
